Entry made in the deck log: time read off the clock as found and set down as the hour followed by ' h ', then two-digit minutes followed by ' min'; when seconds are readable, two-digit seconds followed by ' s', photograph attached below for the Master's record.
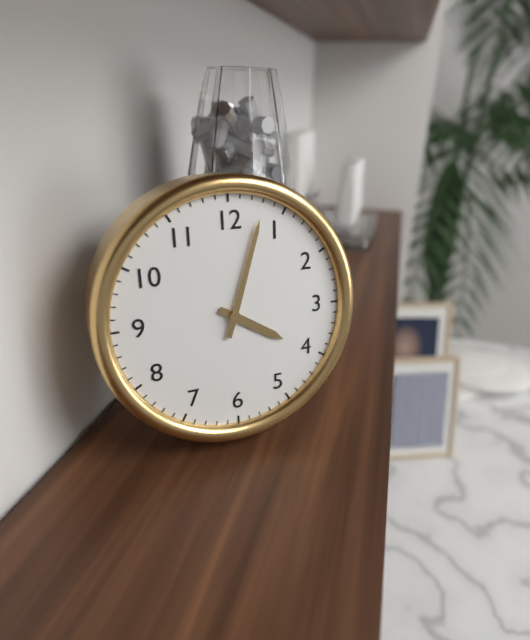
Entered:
4 h 03 min
